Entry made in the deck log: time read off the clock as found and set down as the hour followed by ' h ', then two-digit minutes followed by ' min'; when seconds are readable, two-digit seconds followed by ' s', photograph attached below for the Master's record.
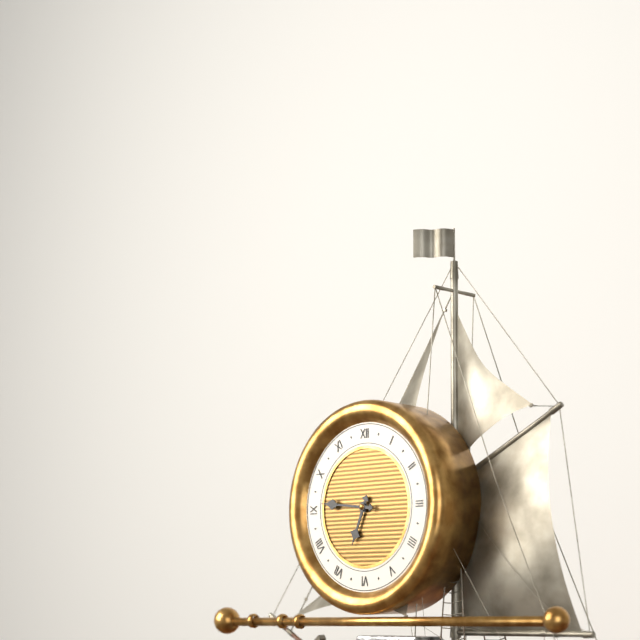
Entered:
6 h 46 min
